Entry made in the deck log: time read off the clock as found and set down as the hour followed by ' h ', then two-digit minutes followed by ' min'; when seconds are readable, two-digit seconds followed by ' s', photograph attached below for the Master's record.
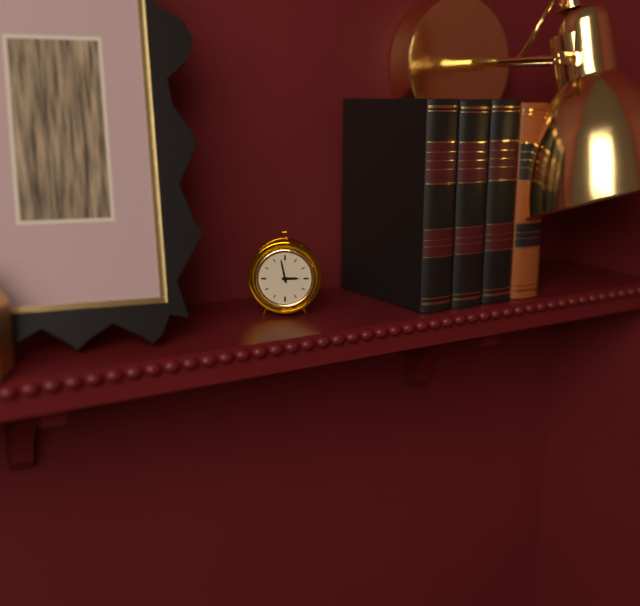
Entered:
2 h 58 min
